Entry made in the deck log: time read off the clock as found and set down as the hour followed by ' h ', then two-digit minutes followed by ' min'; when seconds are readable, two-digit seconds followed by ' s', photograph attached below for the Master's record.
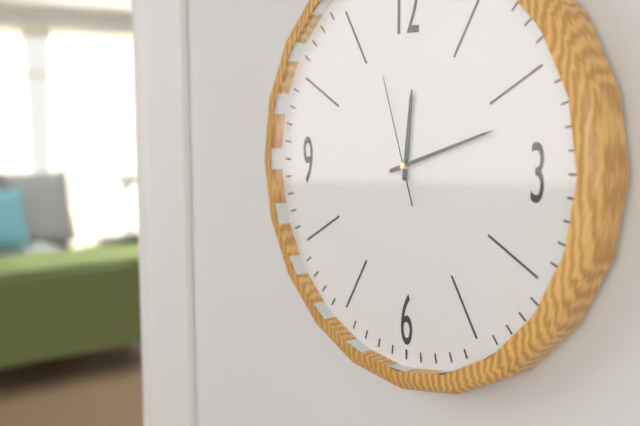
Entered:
12 h 12 min 57 s
